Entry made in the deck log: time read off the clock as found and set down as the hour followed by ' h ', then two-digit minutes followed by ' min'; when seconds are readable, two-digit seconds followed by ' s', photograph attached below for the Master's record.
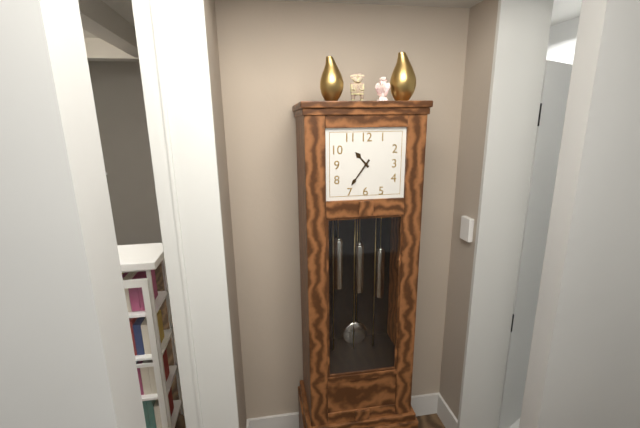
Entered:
10 h 36 min
